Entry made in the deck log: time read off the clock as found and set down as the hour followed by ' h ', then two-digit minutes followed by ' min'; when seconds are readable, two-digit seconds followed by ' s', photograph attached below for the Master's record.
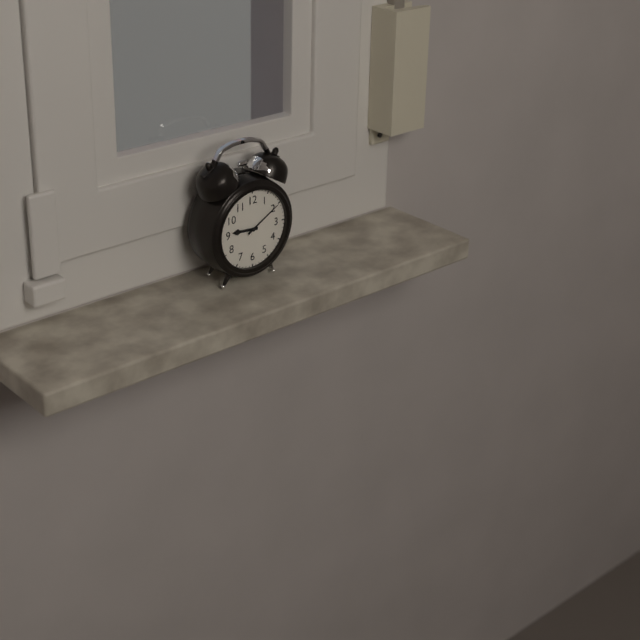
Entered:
9 h 10 min
